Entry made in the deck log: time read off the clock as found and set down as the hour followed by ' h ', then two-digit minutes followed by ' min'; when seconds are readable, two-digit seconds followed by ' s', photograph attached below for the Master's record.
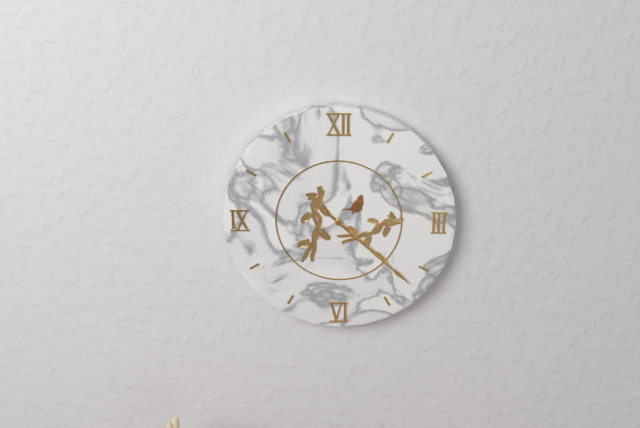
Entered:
4 h 22 min
